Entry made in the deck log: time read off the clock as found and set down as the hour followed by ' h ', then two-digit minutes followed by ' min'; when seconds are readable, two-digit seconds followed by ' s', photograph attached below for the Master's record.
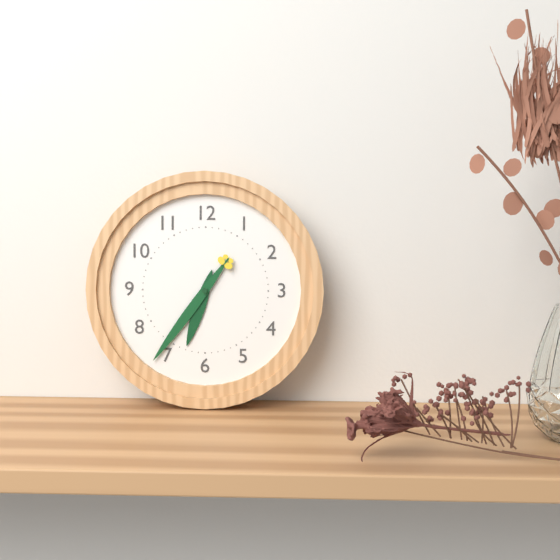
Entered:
6 h 36 min
